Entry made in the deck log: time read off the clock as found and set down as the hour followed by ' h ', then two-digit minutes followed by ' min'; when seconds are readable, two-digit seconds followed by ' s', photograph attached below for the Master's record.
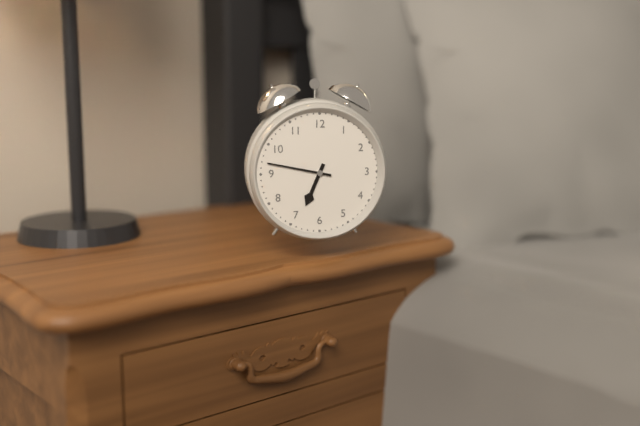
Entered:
6 h 47 min
